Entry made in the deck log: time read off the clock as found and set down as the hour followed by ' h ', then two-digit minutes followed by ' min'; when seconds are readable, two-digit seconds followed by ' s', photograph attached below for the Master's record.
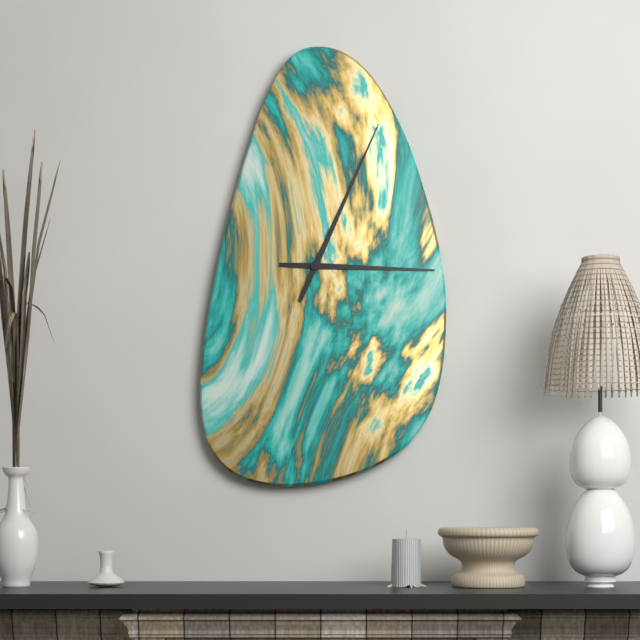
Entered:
3 h 04 min
